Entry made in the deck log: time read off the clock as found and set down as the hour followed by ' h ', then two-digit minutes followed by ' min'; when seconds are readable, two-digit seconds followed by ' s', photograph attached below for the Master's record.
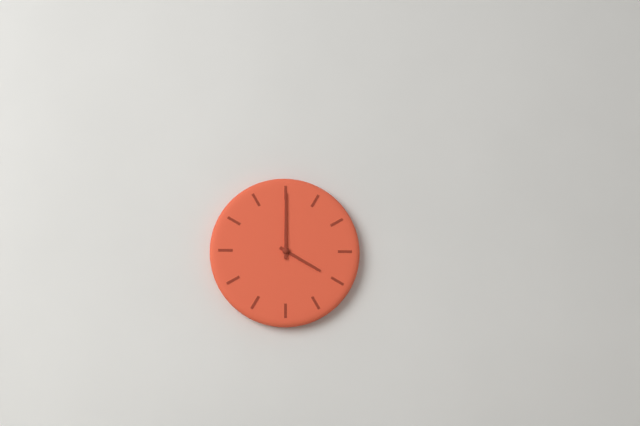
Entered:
4 h 00 min
